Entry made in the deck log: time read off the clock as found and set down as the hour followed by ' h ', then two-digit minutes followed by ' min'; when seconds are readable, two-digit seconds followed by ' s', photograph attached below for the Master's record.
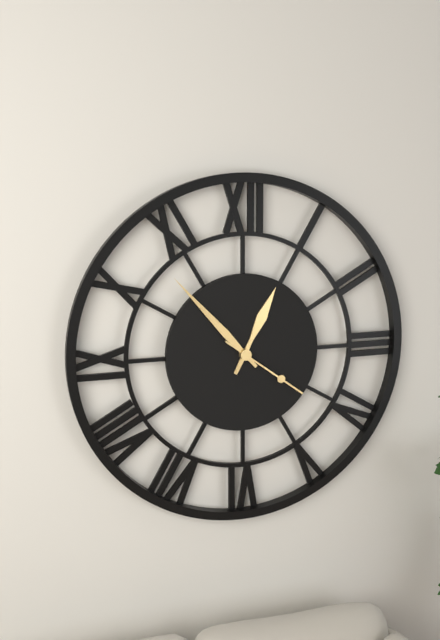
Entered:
12 h 53 min 21 s
